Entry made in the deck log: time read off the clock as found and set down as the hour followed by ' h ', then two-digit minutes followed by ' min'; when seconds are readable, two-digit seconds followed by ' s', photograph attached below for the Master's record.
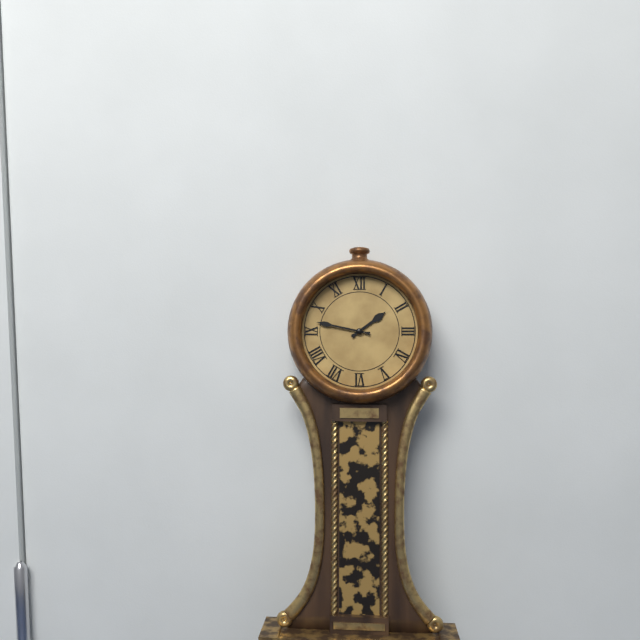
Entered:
1 h 47 min
